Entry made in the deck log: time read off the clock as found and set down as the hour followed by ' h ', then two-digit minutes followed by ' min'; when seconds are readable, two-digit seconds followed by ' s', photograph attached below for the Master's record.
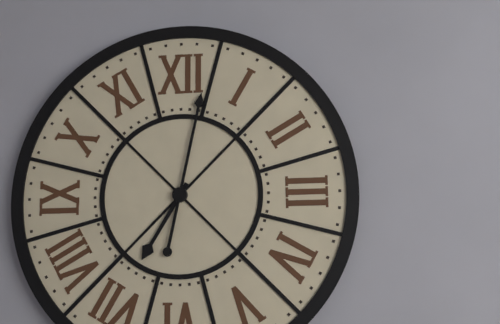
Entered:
7 h 02 min
